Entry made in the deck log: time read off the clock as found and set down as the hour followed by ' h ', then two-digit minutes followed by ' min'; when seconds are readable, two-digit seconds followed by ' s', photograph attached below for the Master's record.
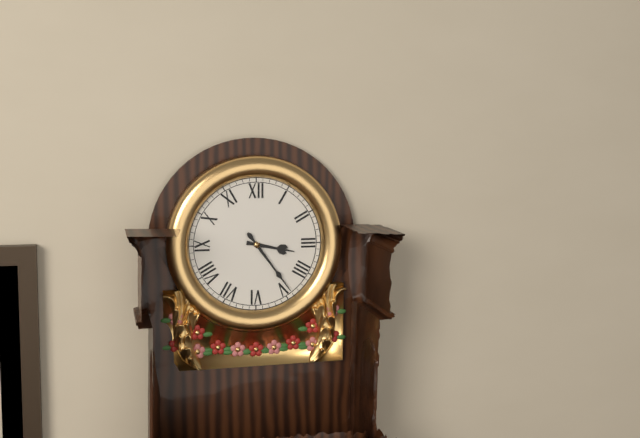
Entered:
3 h 24 min
